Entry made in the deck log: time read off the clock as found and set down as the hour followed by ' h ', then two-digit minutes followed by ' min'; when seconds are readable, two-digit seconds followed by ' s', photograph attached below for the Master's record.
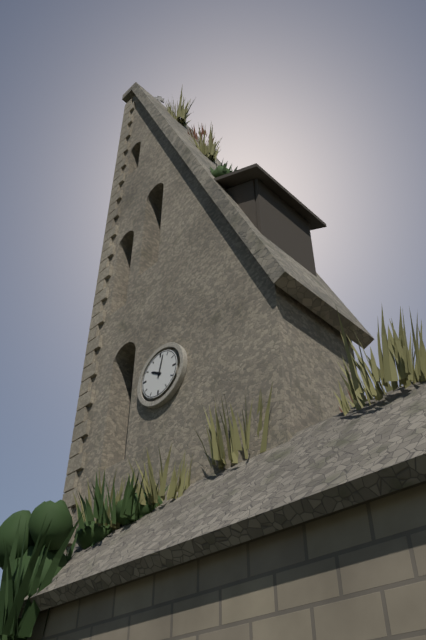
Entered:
10 h 02 min
